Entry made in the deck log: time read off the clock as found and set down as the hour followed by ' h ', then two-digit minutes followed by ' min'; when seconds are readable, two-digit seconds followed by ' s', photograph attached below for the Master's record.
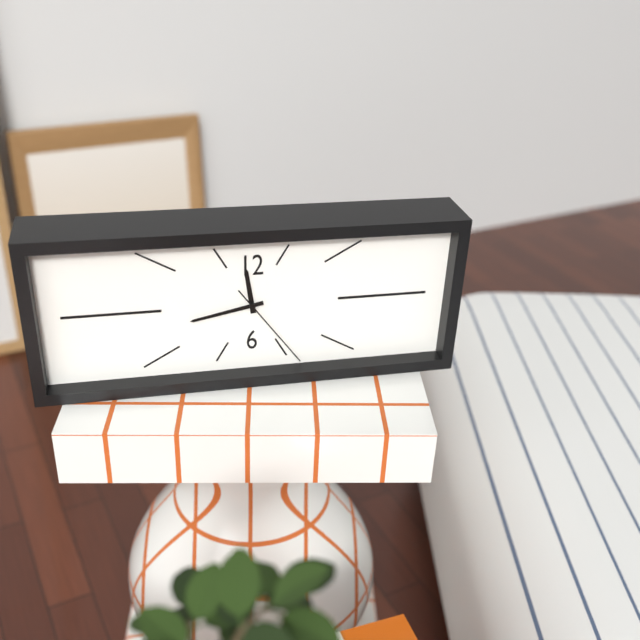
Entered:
11 h 43 min 24 s
